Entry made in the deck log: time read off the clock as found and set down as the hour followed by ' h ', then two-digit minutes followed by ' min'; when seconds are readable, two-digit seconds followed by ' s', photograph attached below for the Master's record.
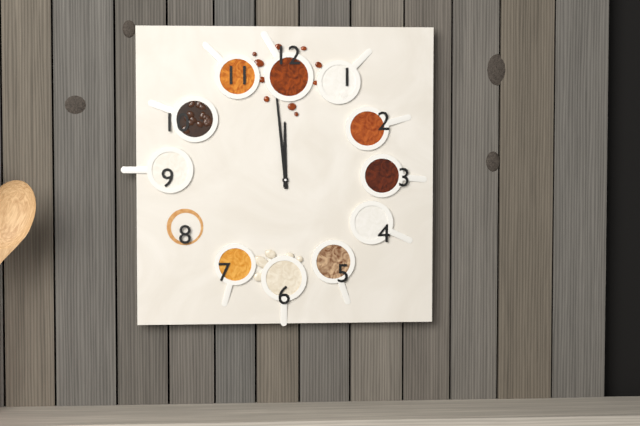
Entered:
11 h 59 min
